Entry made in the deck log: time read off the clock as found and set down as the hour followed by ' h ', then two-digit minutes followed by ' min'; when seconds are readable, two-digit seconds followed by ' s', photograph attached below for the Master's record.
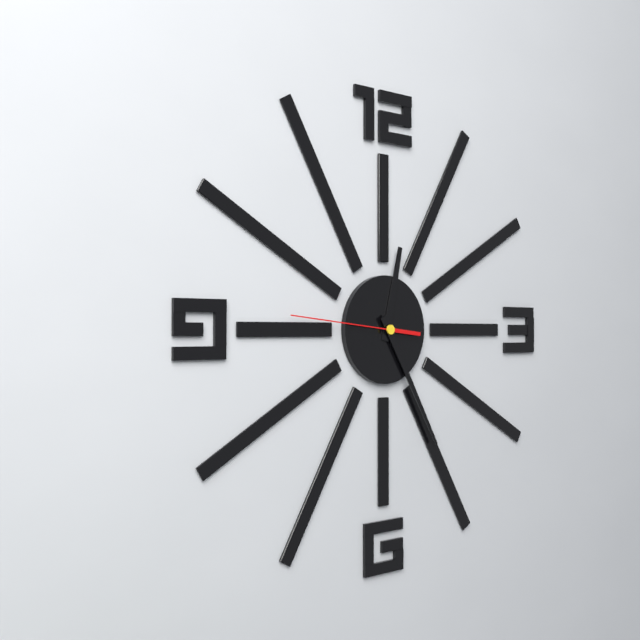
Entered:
12 h 25 min 46 s
